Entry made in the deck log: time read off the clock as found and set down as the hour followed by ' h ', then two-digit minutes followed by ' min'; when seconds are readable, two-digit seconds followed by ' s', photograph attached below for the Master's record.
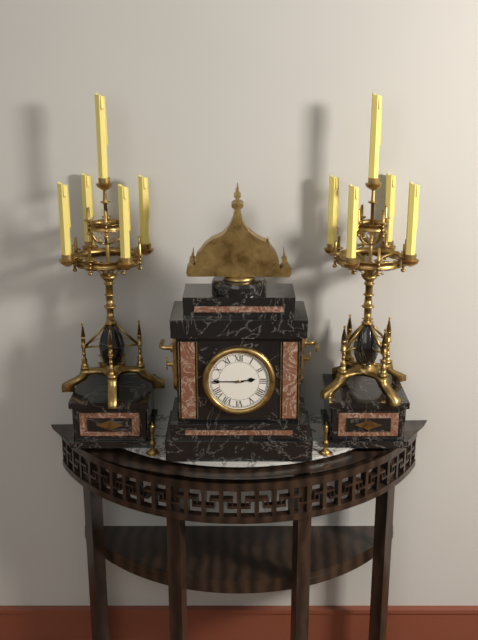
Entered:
2 h 45 min
